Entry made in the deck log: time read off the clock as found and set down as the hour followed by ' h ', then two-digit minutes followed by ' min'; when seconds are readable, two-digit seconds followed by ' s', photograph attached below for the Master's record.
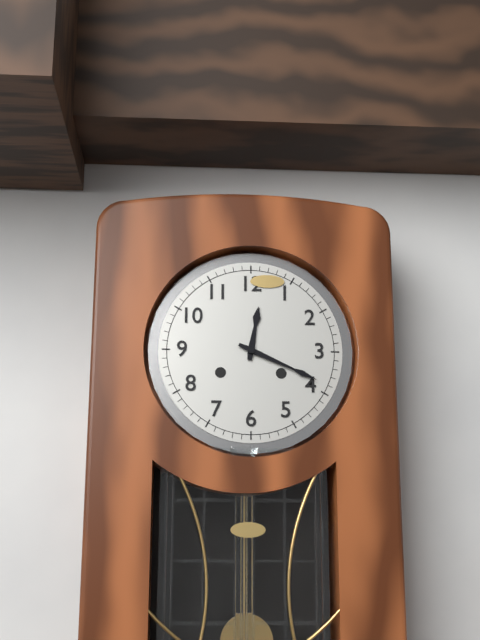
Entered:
12 h 19 min
